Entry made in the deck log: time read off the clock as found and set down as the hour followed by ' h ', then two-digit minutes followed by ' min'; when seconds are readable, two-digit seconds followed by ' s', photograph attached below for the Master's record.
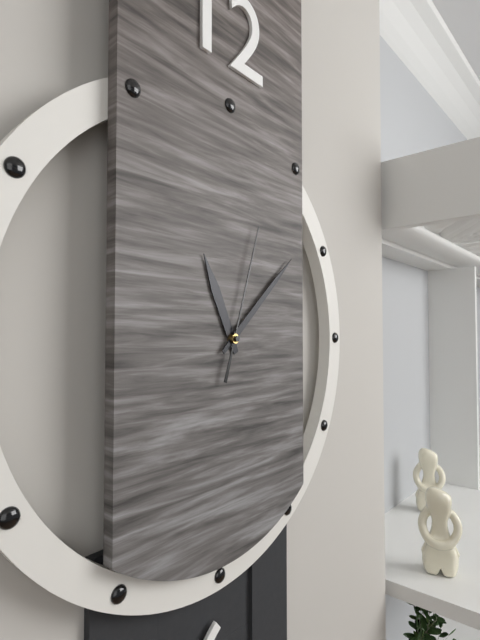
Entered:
11 h 08 min 03 s
